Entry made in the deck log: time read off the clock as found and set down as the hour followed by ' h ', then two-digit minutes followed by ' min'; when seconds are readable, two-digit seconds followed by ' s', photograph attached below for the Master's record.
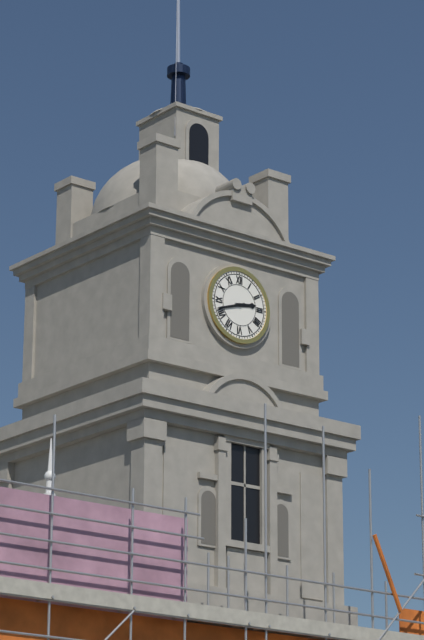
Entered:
2 h 42 min
